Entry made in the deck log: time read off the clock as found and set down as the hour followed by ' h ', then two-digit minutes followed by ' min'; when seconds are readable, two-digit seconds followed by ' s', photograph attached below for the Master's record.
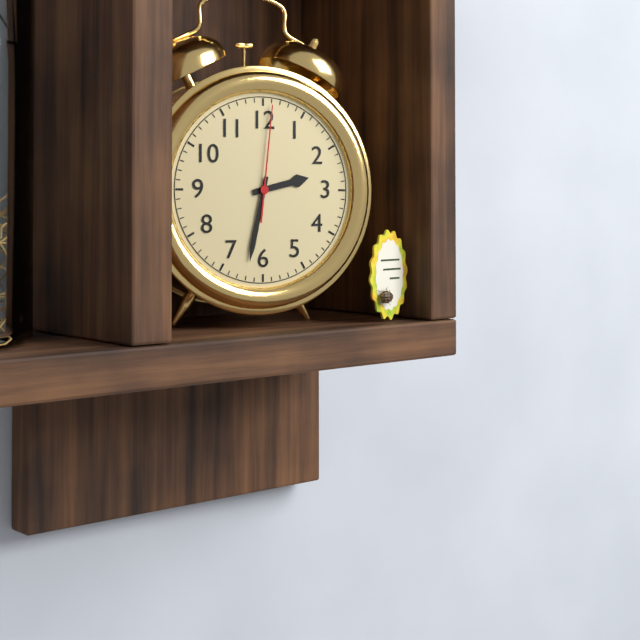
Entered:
2 h 32 min 01 s
